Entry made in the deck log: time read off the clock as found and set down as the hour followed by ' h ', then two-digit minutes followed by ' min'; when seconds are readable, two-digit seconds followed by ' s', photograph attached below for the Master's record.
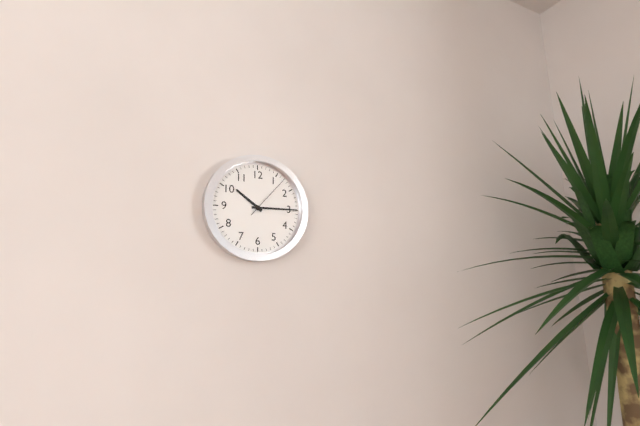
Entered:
10 h 15 min
